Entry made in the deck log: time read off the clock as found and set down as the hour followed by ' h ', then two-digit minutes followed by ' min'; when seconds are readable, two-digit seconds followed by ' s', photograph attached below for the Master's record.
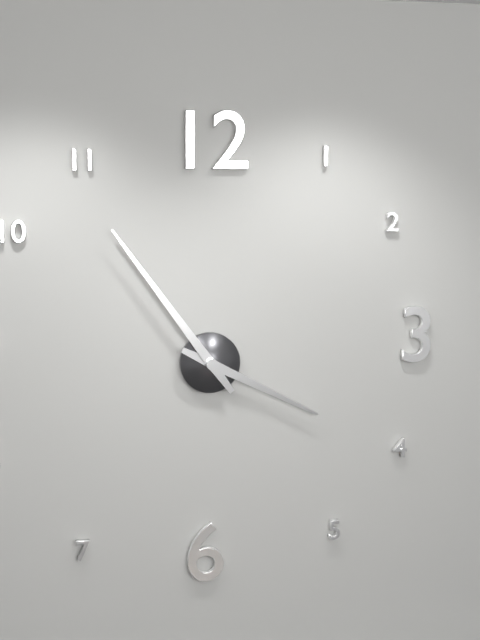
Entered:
3 h 54 min
